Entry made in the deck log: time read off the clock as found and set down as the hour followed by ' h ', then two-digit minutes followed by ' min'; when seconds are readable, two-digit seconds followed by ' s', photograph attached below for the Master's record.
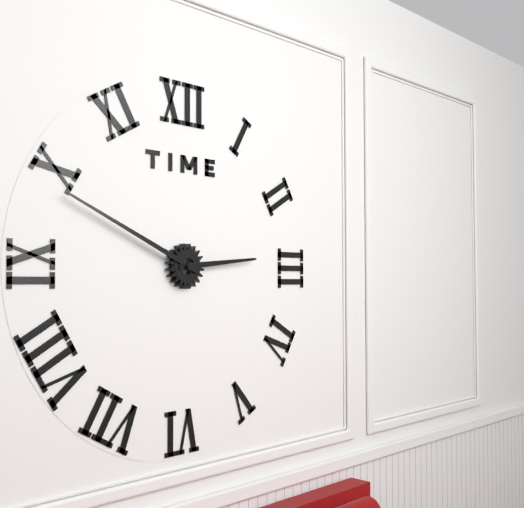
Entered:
2 h 49 min
